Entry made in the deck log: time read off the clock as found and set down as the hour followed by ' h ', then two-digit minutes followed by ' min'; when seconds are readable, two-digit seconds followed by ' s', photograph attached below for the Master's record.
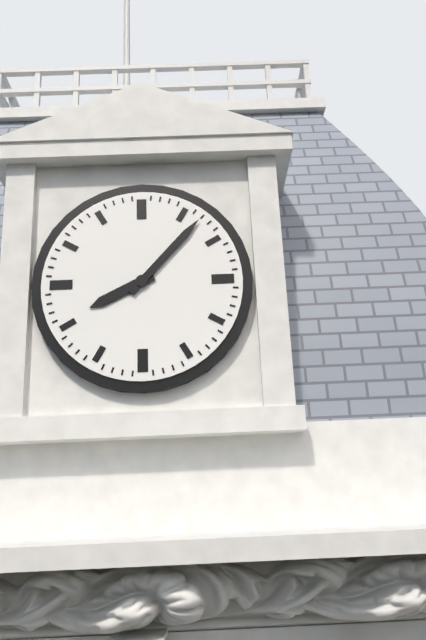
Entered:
8 h 07 min
